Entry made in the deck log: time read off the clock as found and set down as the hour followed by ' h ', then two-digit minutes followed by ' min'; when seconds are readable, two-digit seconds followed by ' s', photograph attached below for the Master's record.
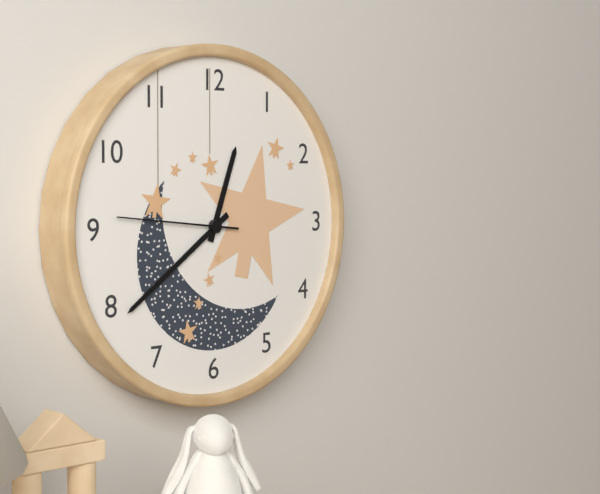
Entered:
12 h 39 min 46 s
